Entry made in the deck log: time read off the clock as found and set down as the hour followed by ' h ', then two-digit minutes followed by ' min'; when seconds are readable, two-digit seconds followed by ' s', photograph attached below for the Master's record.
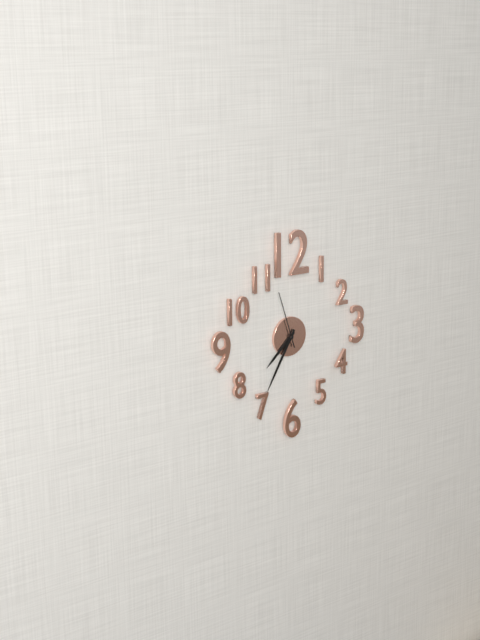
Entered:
7 h 35 min 57 s
